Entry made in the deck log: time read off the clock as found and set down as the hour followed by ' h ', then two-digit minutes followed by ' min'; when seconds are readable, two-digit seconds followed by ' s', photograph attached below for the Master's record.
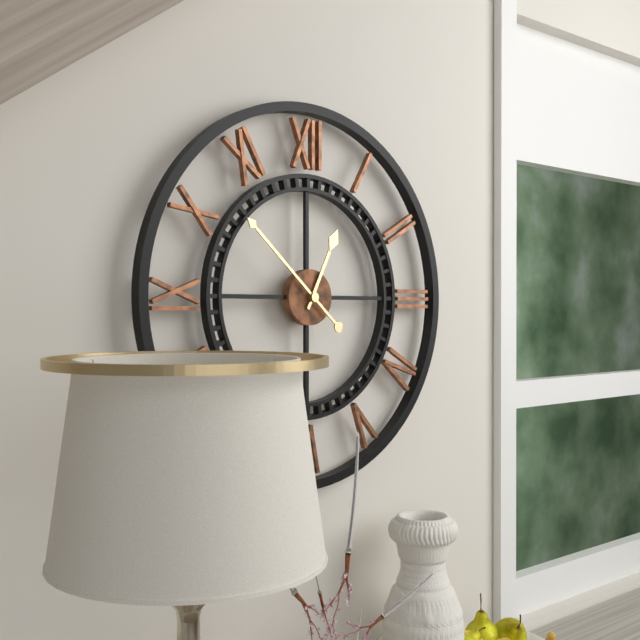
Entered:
12 h 52 min
